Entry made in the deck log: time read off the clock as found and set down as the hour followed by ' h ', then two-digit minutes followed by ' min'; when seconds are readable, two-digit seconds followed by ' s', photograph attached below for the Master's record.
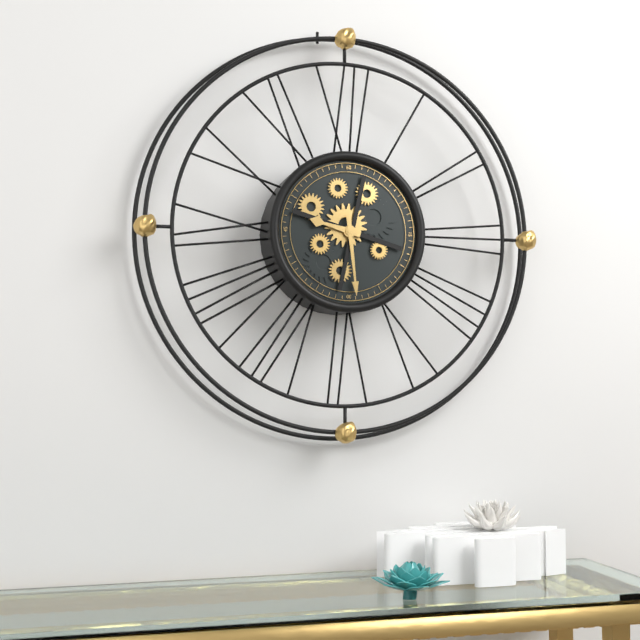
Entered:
9 h 29 min
